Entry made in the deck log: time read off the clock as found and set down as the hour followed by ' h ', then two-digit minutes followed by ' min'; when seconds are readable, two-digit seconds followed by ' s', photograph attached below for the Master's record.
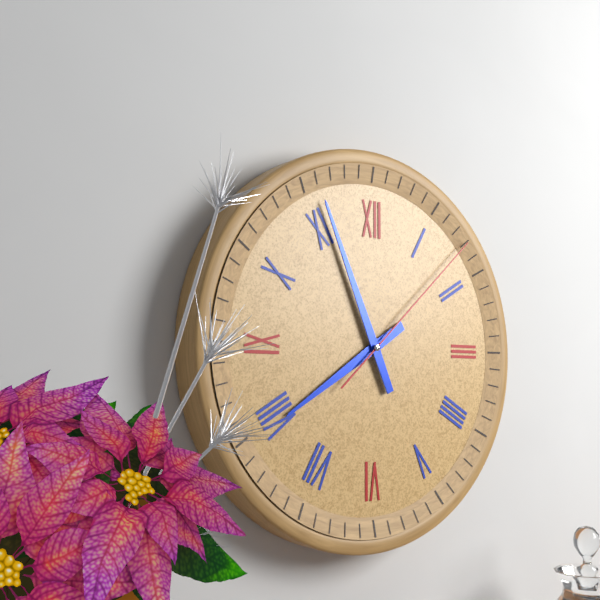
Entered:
7 h 56 min 08 s
